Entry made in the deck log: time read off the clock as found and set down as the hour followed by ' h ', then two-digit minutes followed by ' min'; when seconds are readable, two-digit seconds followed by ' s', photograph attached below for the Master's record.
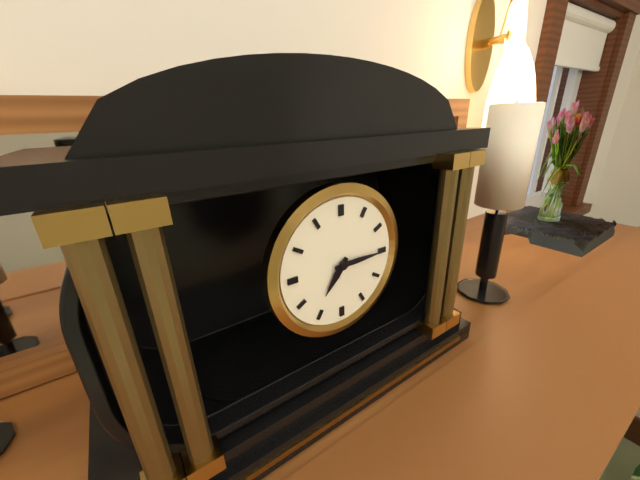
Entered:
7 h 15 min
